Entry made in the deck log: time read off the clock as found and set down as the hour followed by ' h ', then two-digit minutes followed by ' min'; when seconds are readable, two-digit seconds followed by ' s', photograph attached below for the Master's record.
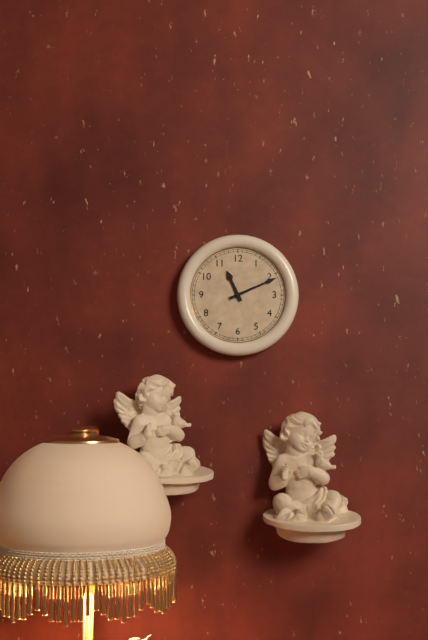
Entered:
11 h 11 min
